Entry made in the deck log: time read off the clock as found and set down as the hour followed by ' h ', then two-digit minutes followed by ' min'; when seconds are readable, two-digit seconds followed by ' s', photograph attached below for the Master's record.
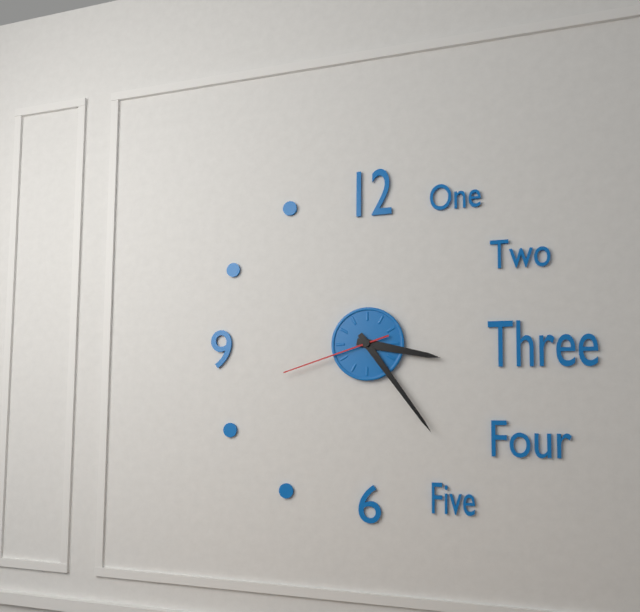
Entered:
3 h 24 min 42 s
